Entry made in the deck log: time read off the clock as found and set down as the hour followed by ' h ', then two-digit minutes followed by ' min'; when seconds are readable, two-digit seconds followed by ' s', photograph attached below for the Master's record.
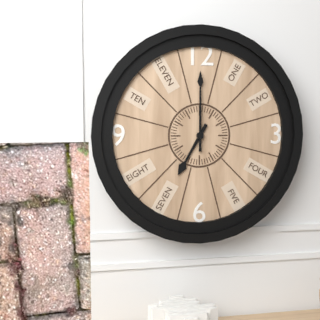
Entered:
7 h 00 min
